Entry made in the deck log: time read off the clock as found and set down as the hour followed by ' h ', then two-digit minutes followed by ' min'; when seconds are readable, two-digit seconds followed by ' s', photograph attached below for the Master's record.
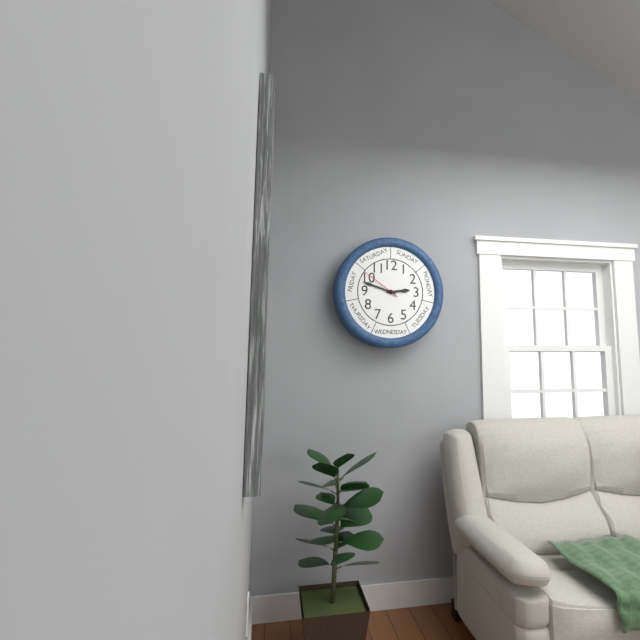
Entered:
2 h 48 min
